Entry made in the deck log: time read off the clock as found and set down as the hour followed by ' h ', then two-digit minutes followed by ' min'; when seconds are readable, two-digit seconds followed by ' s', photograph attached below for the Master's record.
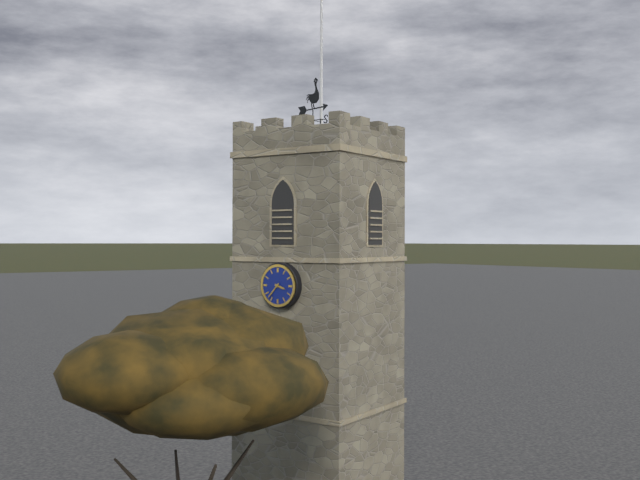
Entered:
3 h 37 min
